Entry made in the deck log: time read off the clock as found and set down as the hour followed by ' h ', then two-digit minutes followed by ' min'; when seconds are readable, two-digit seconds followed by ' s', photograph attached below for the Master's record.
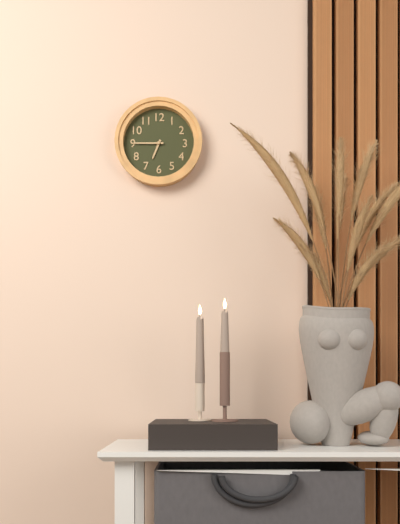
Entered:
6 h 45 min
